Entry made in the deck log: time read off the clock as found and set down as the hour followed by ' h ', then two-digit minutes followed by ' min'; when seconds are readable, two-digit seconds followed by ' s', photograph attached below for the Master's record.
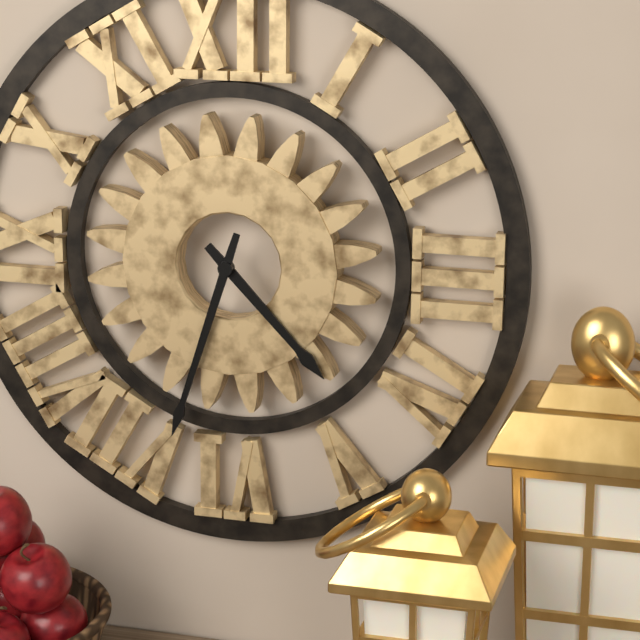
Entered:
4 h 33 min
